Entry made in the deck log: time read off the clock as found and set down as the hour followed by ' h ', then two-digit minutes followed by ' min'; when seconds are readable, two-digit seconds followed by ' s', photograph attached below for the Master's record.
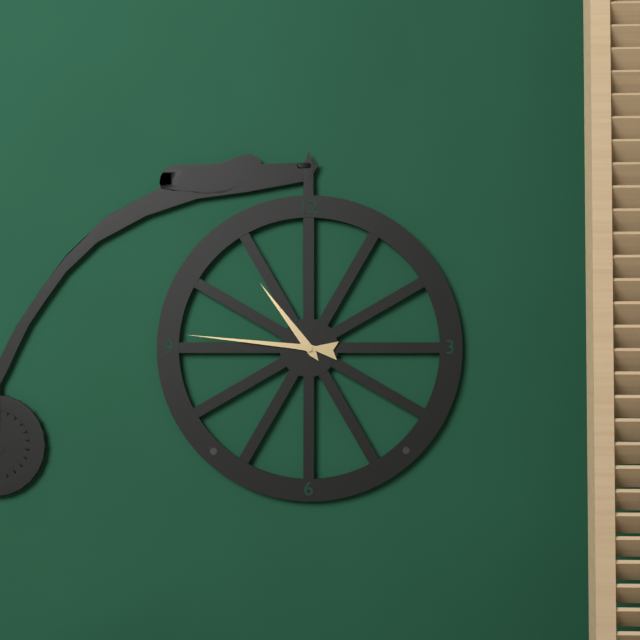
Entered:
10 h 46 min
